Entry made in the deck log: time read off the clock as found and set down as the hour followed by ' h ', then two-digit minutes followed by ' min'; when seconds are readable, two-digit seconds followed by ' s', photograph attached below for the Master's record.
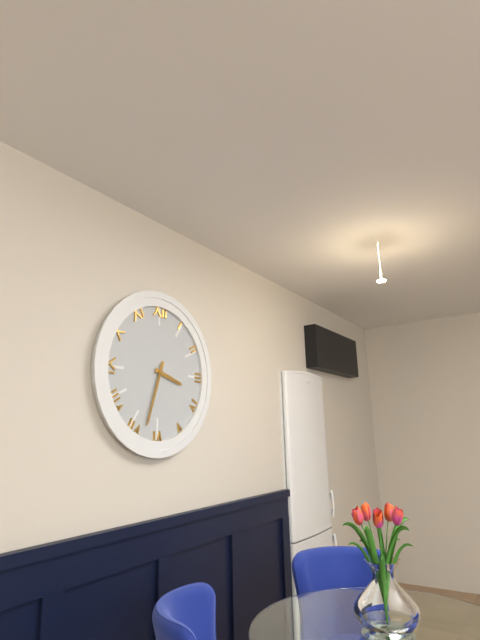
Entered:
3 h 33 min
